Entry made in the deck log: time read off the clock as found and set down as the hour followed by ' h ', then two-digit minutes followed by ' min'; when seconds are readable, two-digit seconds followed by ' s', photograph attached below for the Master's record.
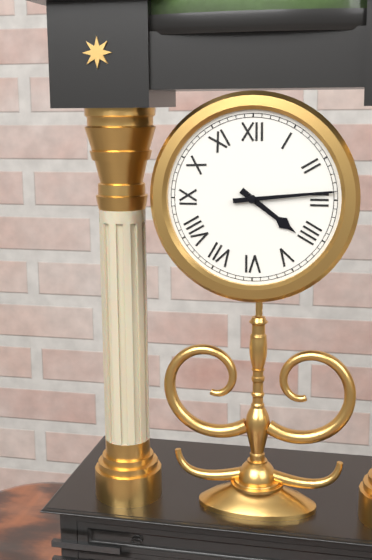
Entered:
4 h 14 min
